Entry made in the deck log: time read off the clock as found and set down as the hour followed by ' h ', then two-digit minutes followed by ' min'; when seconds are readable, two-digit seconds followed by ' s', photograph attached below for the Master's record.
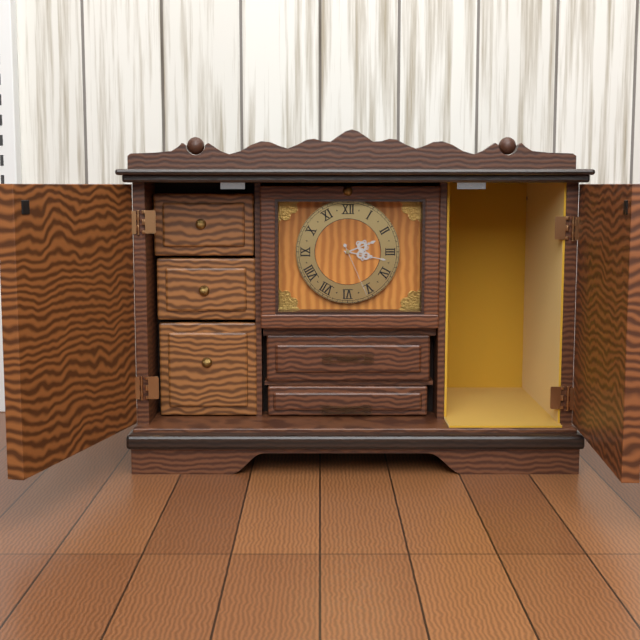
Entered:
2 h 17 min 26 s
